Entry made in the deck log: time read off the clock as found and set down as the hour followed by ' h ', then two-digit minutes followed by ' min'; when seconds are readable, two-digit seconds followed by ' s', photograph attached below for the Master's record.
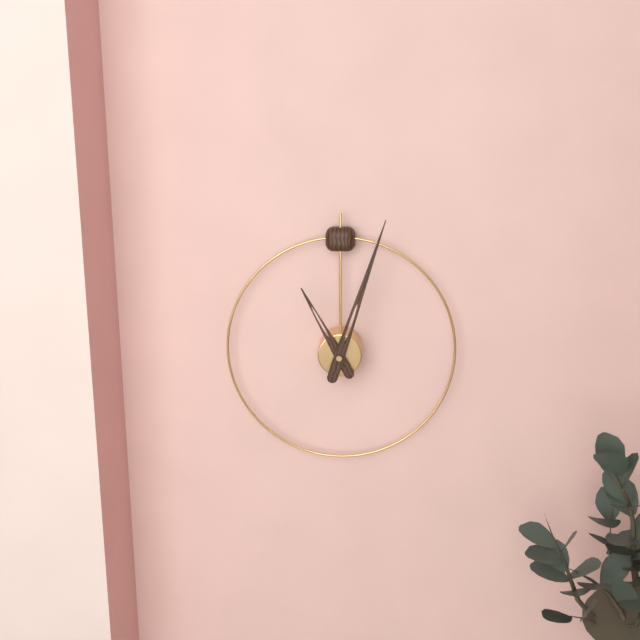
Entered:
11 h 03 min
